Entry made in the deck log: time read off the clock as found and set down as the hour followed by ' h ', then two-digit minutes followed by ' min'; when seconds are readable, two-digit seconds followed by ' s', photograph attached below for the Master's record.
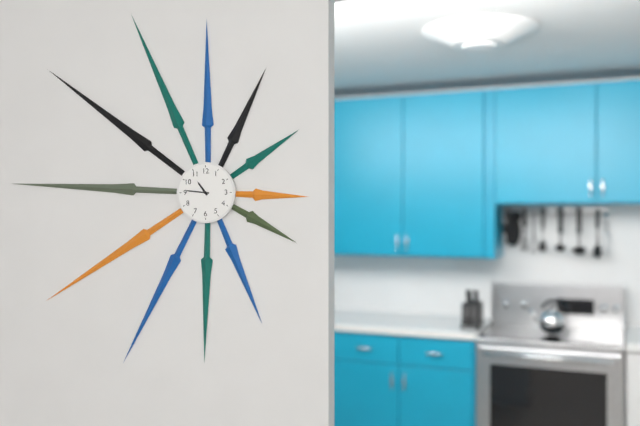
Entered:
10 h 46 min
